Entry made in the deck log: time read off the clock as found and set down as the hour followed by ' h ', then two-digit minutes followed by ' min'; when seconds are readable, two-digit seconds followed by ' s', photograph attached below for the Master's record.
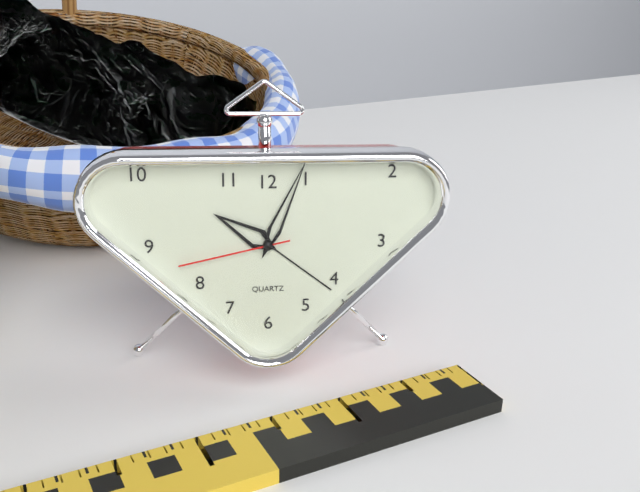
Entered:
10 h 04 min 43 s
